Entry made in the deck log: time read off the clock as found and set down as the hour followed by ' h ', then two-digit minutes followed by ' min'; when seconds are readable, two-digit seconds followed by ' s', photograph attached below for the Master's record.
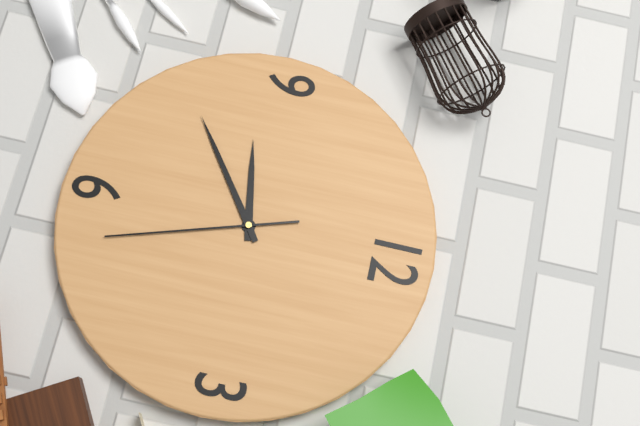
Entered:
8 h 39 min 27 s
